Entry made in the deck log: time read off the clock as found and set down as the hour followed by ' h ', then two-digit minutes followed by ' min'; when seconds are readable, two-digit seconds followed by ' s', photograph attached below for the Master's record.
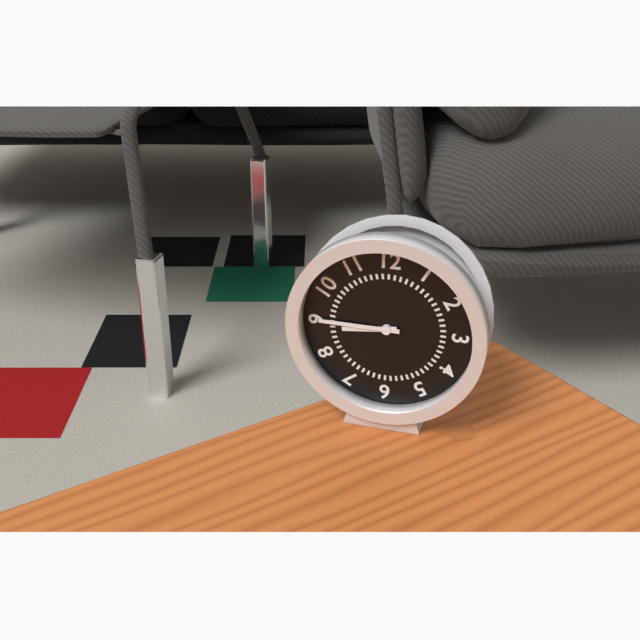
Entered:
8 h 45 min
